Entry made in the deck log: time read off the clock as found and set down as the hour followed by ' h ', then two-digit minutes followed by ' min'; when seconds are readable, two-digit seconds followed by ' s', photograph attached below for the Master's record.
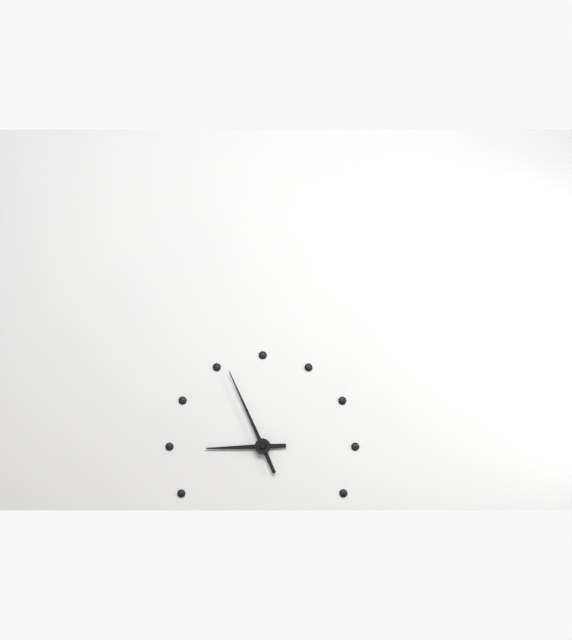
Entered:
8 h 56 min
